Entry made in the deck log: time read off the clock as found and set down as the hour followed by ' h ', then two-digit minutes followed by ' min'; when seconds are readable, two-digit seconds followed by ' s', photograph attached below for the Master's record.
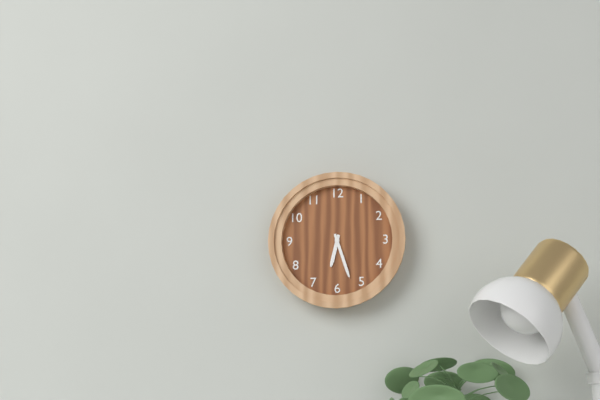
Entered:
6 h 27 min
